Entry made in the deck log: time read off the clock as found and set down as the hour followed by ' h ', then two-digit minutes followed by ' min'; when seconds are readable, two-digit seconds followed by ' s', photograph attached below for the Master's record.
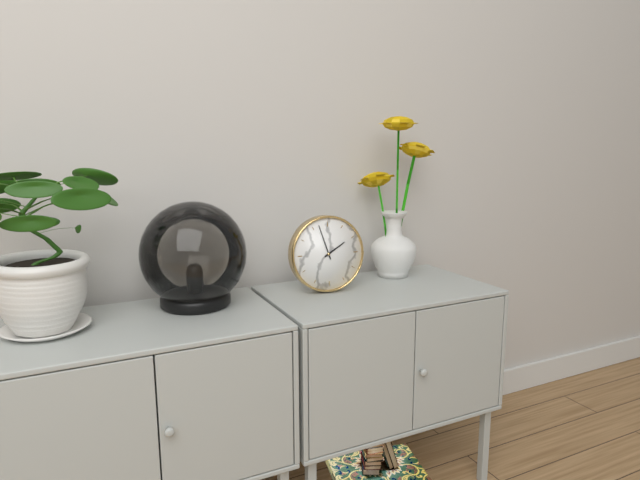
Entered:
1 h 57 min
